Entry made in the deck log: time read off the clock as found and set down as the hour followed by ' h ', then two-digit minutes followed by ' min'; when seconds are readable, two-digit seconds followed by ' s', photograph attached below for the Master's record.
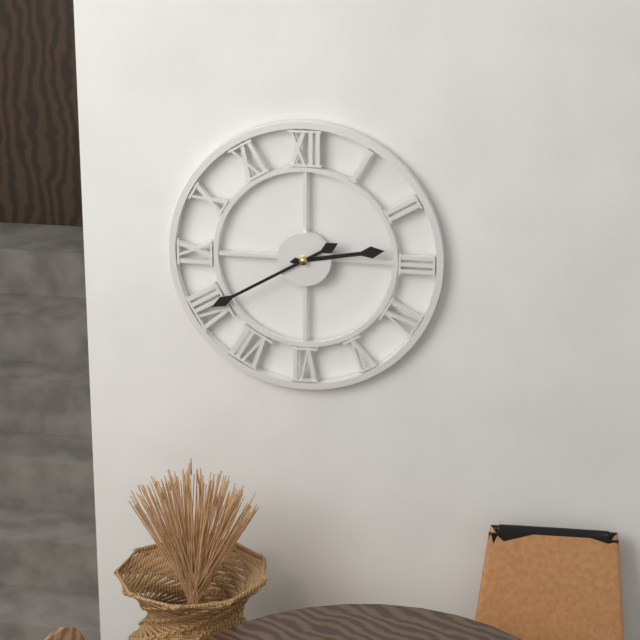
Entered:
2 h 40 min
